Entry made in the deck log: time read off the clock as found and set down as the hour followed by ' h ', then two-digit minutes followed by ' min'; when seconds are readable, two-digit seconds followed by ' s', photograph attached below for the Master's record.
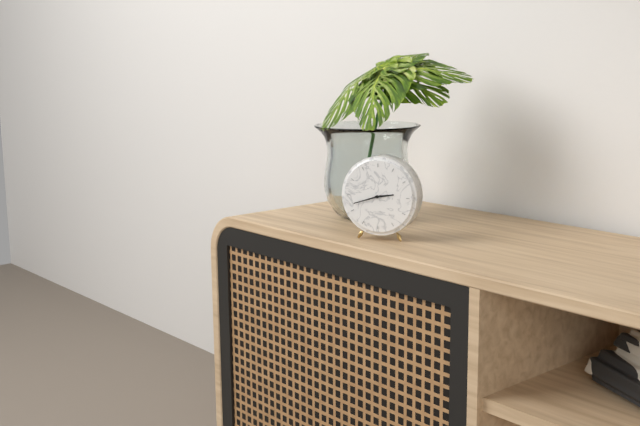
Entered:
2 h 42 min
